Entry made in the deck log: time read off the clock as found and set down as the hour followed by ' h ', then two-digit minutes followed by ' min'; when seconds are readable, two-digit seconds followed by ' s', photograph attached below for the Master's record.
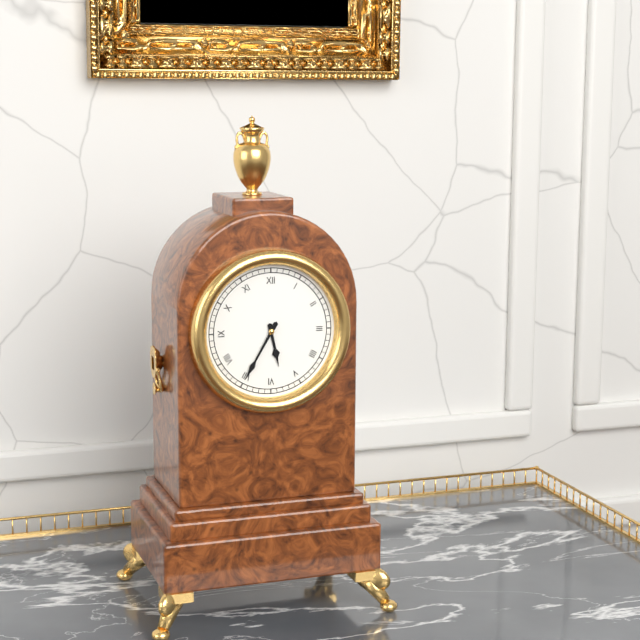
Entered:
5 h 35 min
